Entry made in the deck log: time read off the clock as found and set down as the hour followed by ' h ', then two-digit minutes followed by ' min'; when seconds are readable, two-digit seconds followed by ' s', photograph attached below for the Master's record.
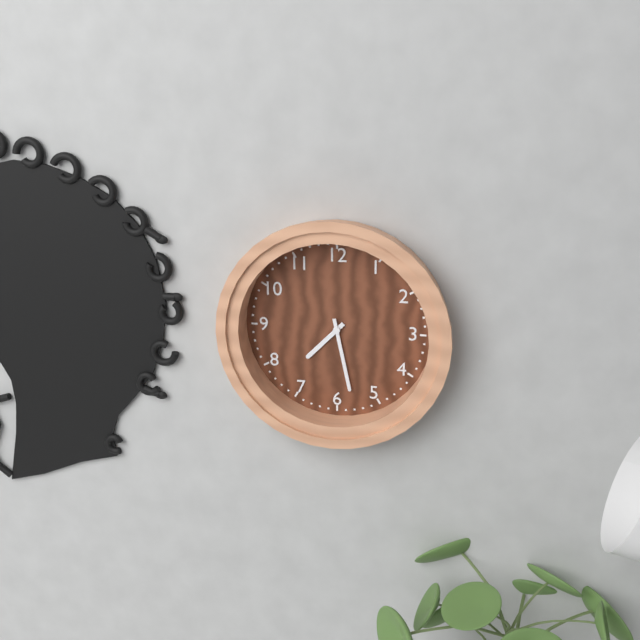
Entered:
7 h 28 min
